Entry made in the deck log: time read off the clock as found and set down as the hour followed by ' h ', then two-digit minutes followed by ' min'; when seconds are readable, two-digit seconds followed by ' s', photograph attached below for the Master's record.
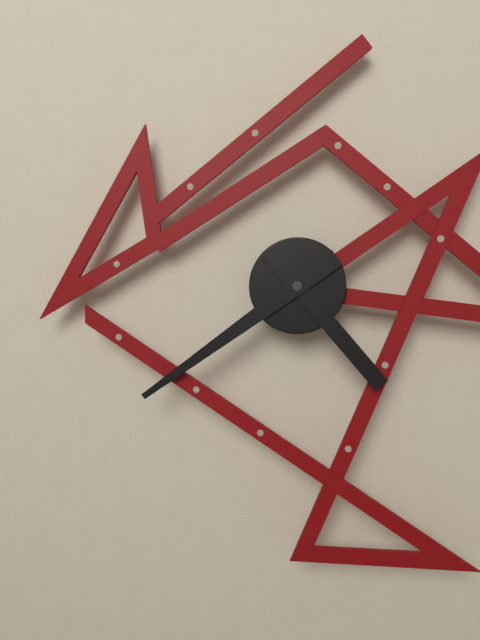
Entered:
4 h 39 min
